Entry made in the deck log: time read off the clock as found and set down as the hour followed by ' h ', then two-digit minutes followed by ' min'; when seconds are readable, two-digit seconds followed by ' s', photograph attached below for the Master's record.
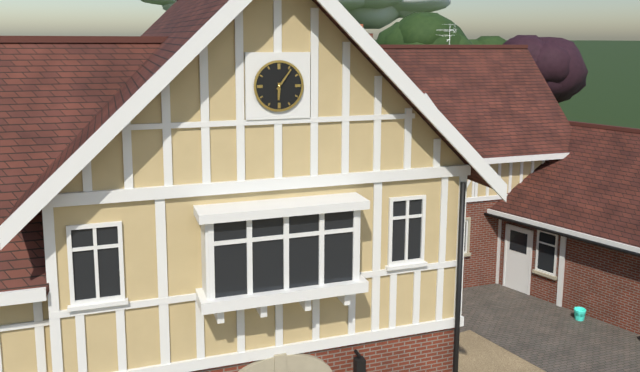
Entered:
6 h 06 min
